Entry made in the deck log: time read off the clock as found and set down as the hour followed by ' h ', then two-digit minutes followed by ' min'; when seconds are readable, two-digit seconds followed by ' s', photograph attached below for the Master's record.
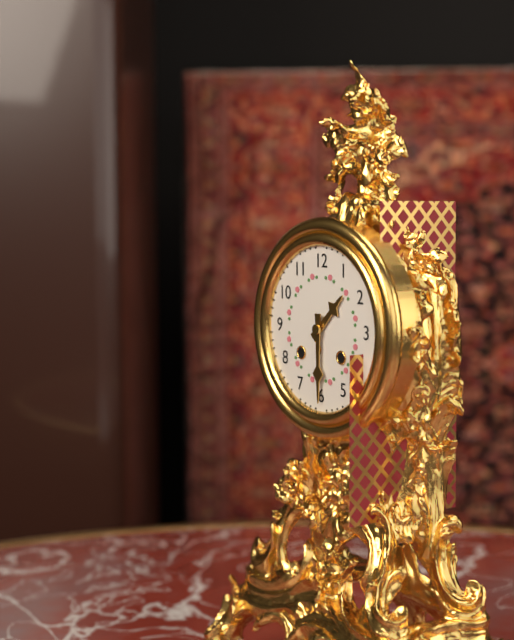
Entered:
1 h 30 min
